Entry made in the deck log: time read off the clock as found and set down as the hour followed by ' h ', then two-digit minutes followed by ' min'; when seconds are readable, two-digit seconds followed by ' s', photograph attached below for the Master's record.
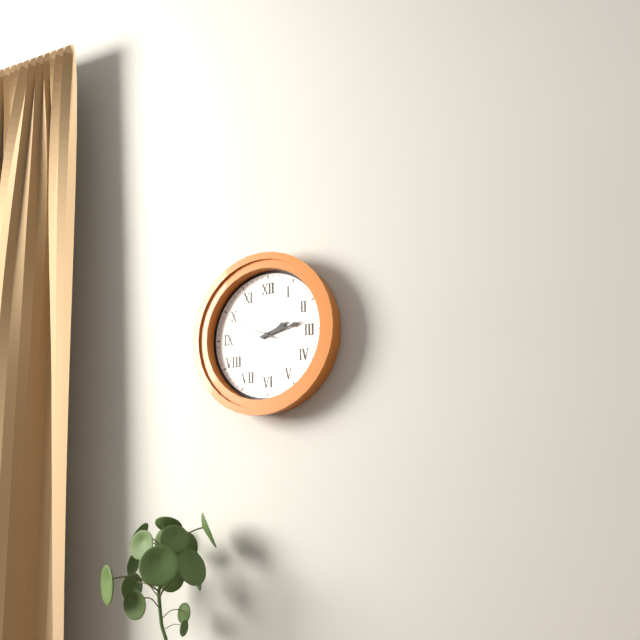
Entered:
2 h 13 min 49 s
